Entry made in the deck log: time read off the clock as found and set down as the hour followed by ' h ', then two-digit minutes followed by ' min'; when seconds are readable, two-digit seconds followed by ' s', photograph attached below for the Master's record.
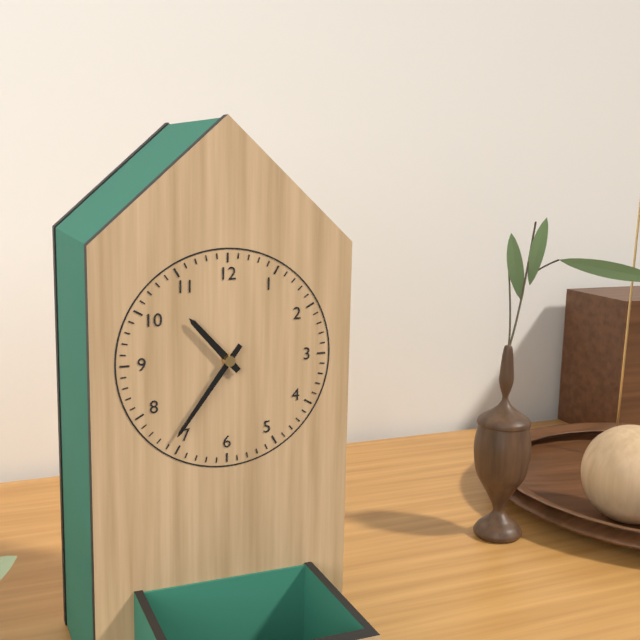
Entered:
10 h 36 min
